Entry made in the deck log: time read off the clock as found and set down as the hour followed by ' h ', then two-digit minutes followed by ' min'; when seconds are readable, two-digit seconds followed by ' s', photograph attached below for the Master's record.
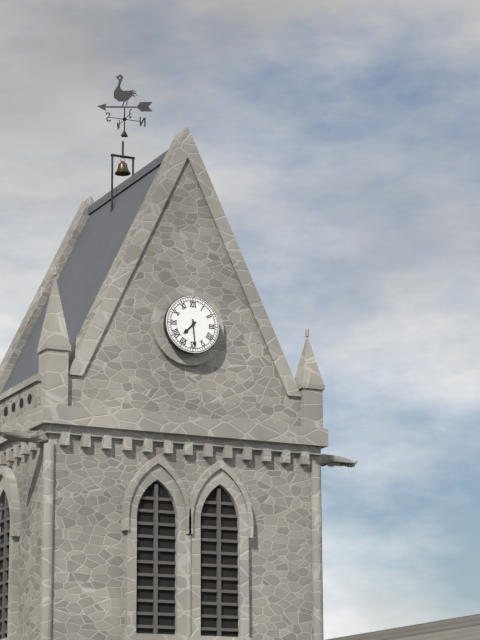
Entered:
7 h 29 min
